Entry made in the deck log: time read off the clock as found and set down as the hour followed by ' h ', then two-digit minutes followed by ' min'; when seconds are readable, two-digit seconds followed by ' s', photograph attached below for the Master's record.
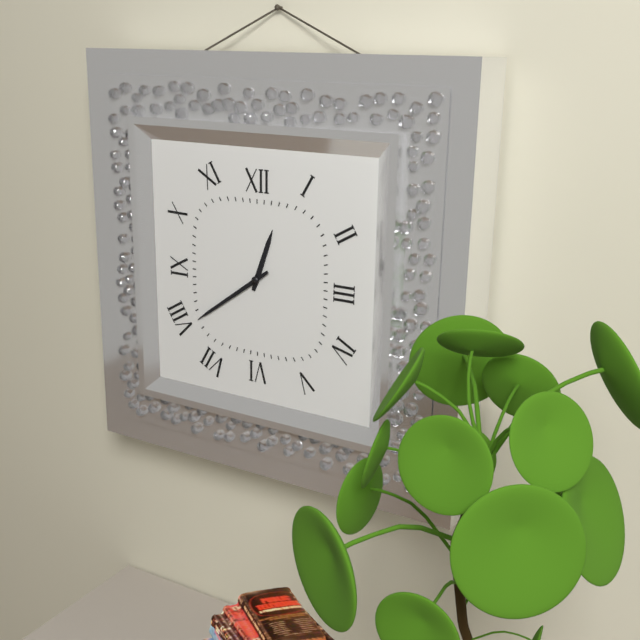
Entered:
12 h 39 min
